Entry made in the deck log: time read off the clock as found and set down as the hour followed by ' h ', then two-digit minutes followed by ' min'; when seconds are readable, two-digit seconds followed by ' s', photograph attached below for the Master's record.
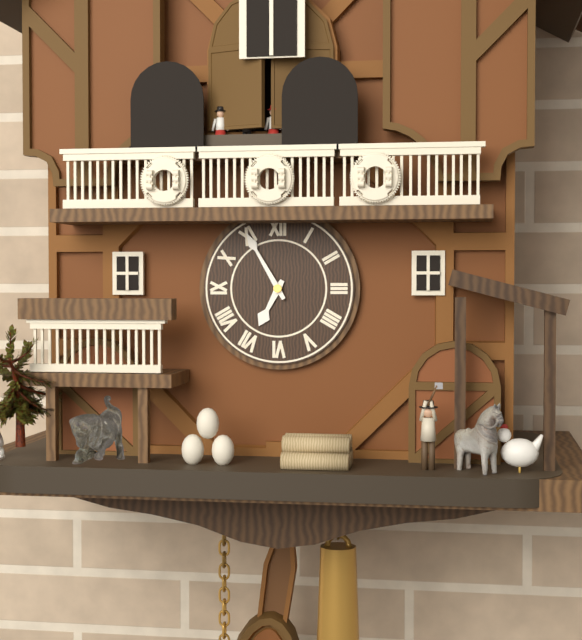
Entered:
6 h 55 min
